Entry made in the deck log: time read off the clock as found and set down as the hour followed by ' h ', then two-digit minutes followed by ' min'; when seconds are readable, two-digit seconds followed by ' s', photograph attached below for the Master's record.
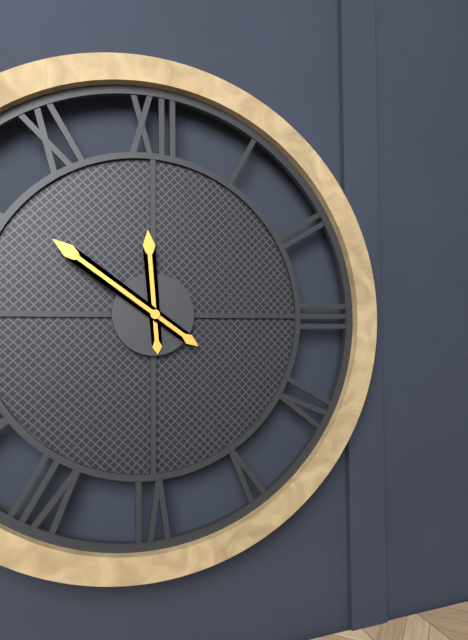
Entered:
11 h 51 min
